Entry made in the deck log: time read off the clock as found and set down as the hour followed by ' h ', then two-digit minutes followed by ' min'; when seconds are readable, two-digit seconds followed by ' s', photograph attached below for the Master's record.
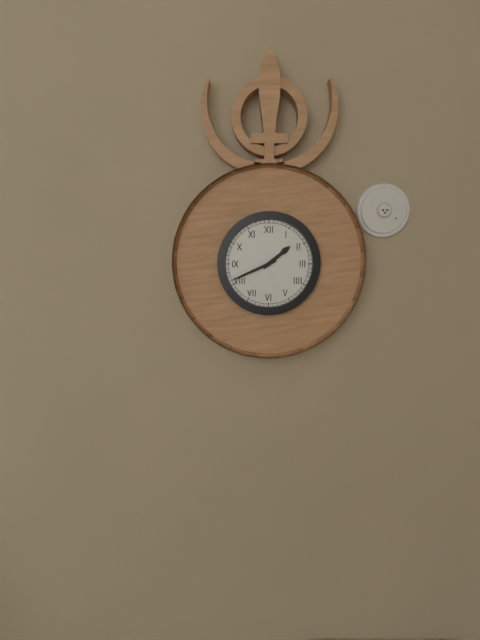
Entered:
1 h 41 min
